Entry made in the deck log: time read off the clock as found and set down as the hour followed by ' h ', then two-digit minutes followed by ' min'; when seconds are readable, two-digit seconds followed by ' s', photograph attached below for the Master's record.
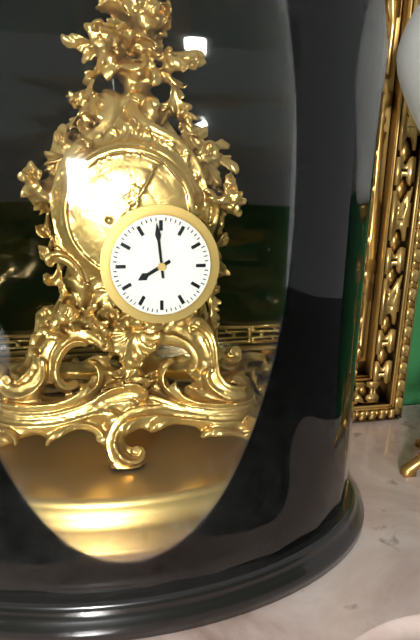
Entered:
7 h 59 min
